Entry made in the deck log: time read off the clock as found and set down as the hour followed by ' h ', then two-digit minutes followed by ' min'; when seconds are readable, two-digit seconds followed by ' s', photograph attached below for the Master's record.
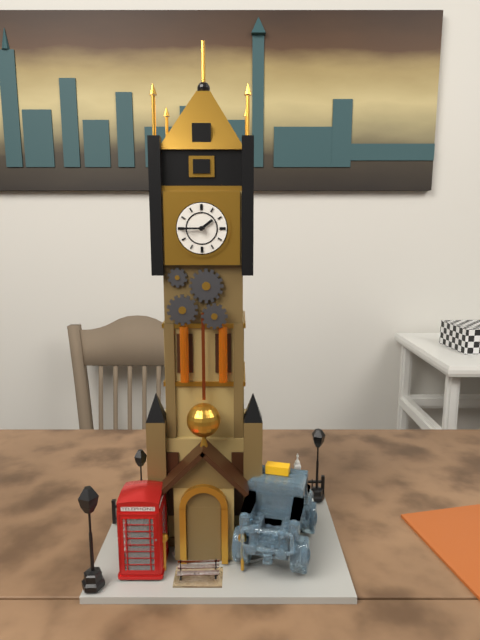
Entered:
1 h 45 min
